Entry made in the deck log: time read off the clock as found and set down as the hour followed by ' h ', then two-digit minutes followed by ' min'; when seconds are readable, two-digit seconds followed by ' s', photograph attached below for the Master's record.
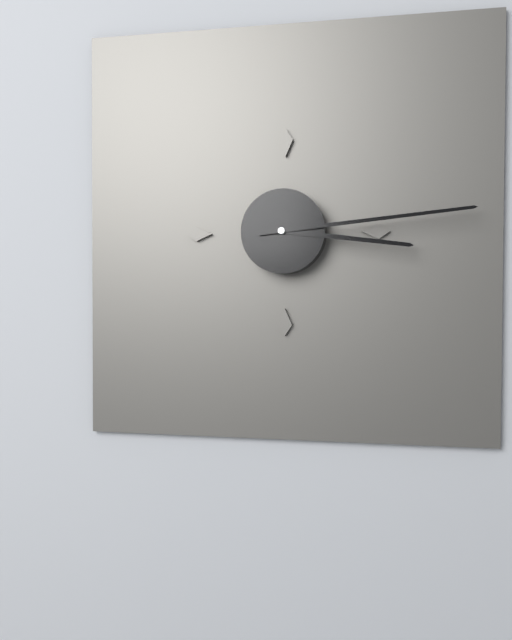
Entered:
3 h 14 min
